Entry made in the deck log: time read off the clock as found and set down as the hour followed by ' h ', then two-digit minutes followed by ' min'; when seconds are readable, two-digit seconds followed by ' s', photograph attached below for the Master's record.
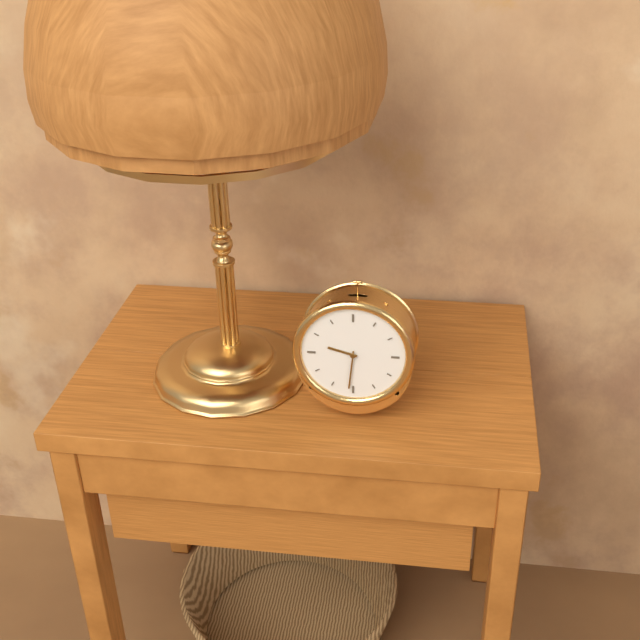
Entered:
9 h 31 min
